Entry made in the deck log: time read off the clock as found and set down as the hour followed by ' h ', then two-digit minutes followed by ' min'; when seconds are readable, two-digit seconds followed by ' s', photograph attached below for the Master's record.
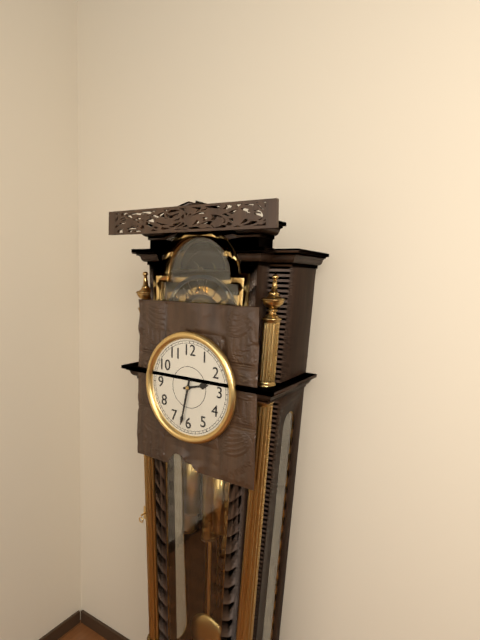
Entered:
2 h 32 min
